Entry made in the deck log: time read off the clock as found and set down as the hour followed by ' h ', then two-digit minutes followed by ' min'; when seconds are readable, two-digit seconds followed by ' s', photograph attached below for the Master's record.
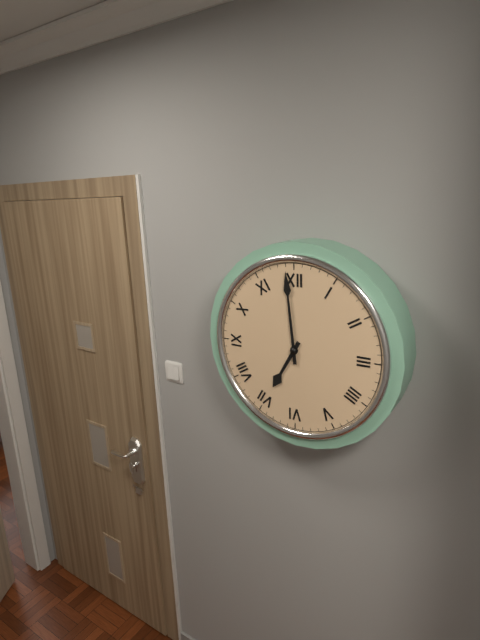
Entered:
6 h 59 min
